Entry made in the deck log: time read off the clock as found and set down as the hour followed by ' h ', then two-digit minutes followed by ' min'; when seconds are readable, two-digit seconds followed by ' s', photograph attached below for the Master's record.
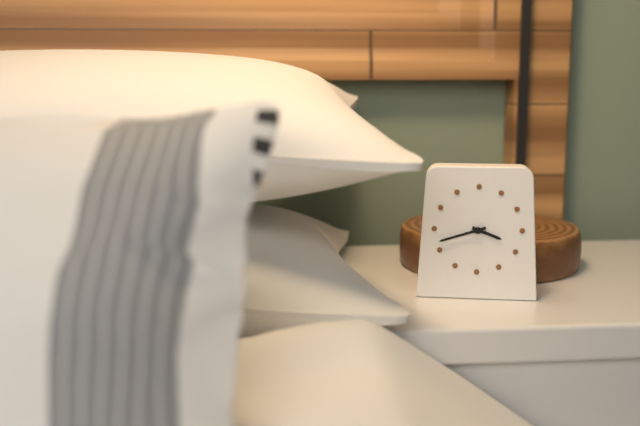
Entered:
3 h 42 min
